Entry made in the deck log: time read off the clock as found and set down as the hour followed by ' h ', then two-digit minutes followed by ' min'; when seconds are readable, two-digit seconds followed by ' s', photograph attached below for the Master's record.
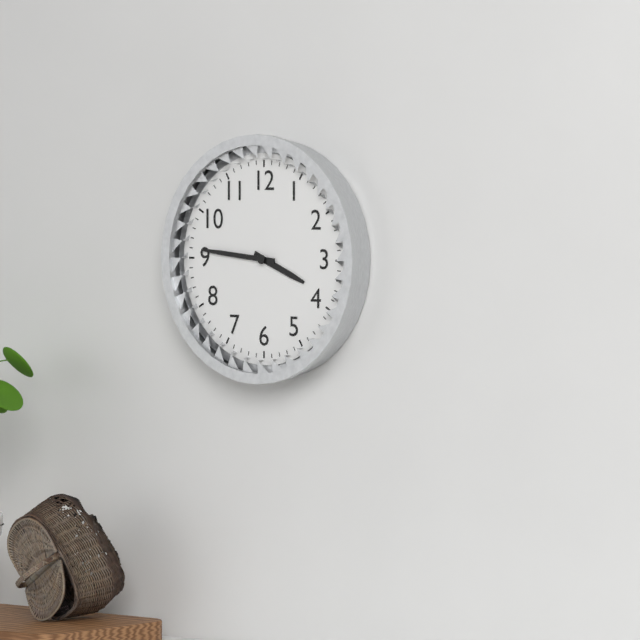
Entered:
3 h 46 min
